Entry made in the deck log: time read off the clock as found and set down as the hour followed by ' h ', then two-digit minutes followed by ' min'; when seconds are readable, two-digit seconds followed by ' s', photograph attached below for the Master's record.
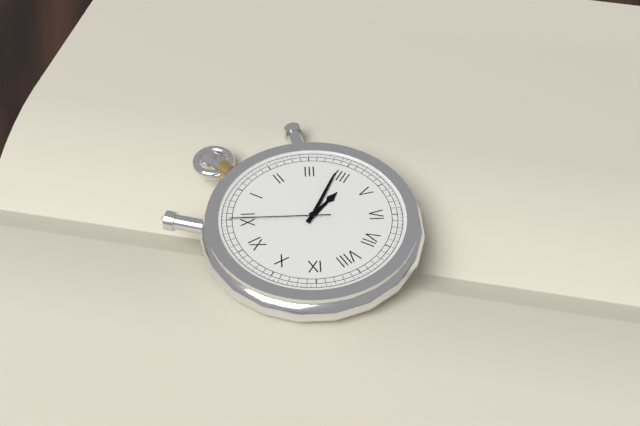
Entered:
4 h 19 min 00 s
